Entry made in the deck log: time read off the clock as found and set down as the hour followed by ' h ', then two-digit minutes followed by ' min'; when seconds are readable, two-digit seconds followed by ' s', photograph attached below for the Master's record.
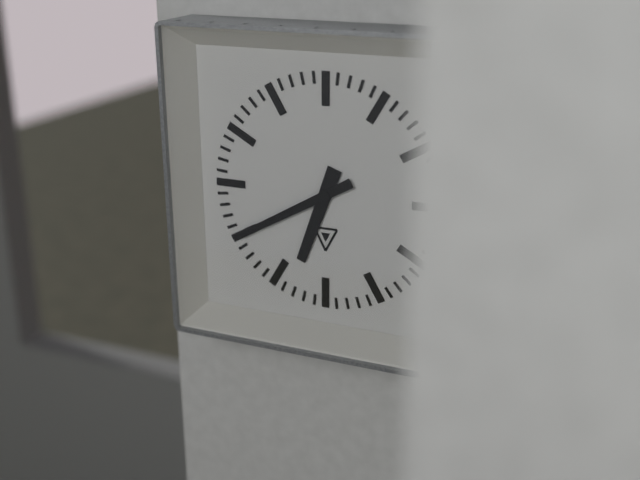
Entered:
6 h 40 min
